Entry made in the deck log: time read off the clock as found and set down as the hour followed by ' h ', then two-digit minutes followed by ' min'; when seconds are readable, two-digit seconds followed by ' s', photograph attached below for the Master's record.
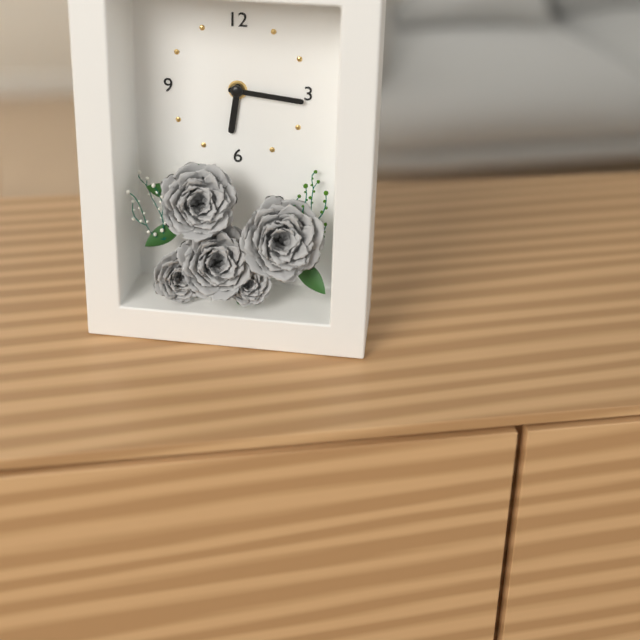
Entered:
6 h 16 min
